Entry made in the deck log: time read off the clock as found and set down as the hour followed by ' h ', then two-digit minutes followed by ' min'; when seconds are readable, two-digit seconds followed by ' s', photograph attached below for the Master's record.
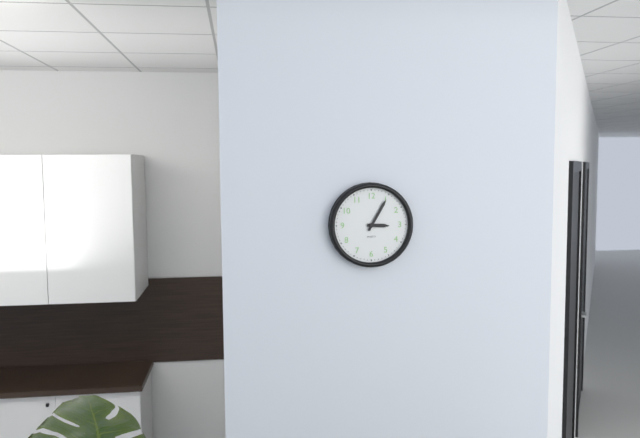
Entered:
3 h 05 min
